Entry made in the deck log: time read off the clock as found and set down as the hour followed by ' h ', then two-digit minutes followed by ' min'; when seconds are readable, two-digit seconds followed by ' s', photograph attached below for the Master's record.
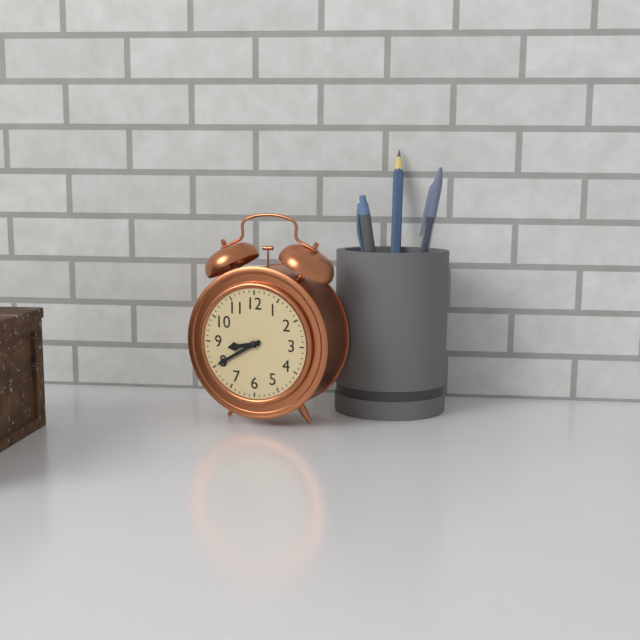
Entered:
8 h 40 min
